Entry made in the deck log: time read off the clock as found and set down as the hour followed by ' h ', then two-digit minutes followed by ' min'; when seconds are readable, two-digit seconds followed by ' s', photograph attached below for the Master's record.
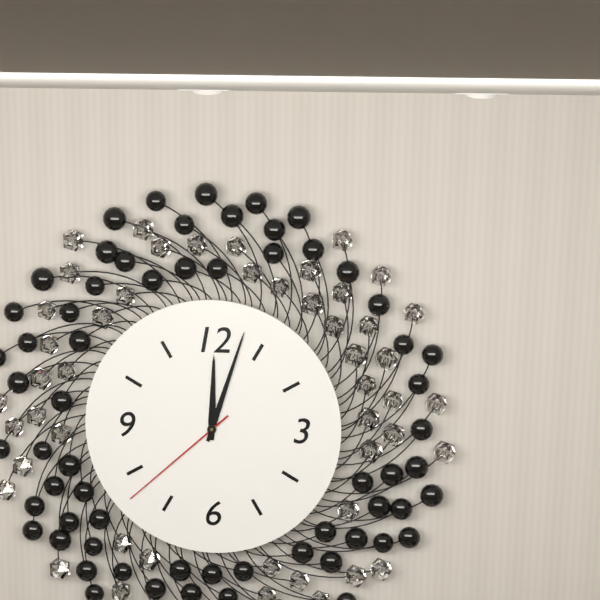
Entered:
12 h 03 min 38 s
